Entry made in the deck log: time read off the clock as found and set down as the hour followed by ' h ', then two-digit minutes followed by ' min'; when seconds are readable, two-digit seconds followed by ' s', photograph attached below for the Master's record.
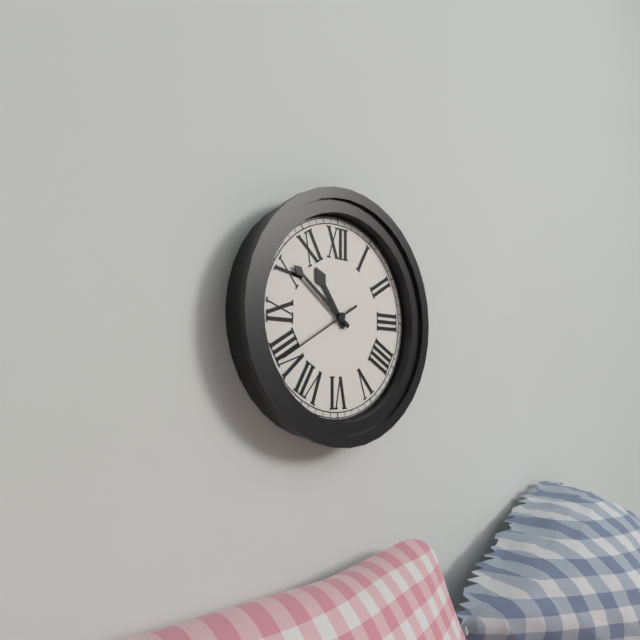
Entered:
10 h 51 min 40 s
